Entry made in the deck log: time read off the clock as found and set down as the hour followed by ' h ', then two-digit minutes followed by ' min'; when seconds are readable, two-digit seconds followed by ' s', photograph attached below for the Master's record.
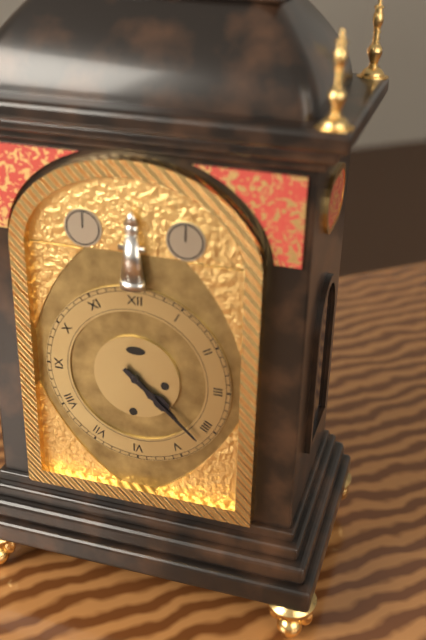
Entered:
4 h 22 min
